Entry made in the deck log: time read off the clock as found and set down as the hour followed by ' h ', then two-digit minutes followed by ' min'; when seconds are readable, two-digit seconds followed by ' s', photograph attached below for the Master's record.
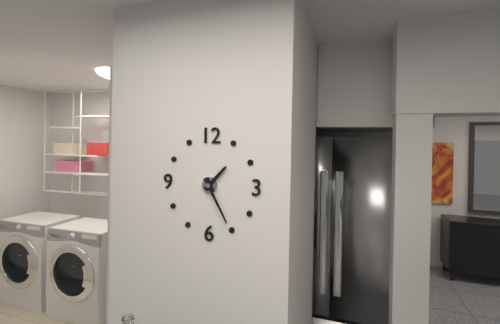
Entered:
1 h 25 min
